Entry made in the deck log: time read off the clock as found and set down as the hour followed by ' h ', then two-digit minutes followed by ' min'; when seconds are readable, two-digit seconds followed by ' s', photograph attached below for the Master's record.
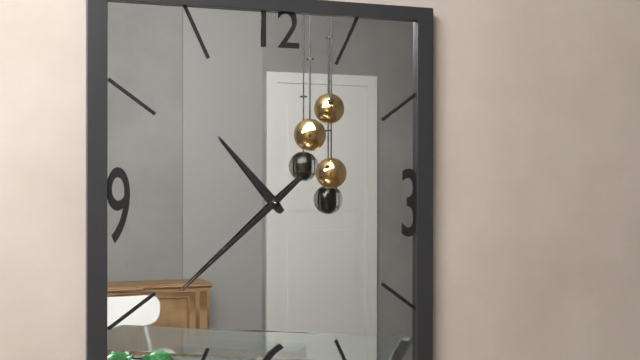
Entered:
10 h 38 min
